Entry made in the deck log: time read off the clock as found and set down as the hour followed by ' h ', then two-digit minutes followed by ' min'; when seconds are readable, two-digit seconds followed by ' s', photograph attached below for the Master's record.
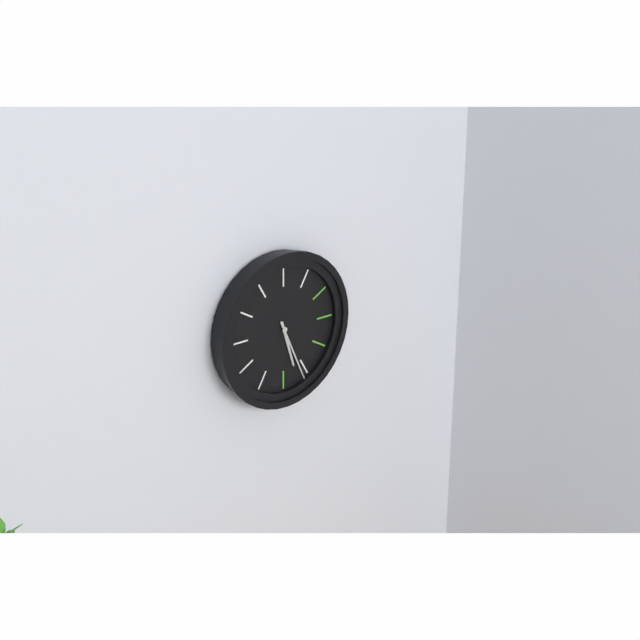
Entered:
5 h 26 min
